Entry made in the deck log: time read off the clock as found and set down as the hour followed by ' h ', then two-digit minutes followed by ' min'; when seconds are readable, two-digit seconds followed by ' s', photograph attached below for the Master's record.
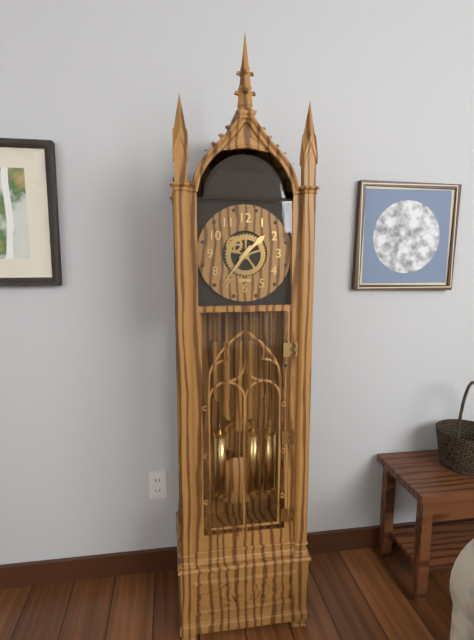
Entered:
1 h 36 min
